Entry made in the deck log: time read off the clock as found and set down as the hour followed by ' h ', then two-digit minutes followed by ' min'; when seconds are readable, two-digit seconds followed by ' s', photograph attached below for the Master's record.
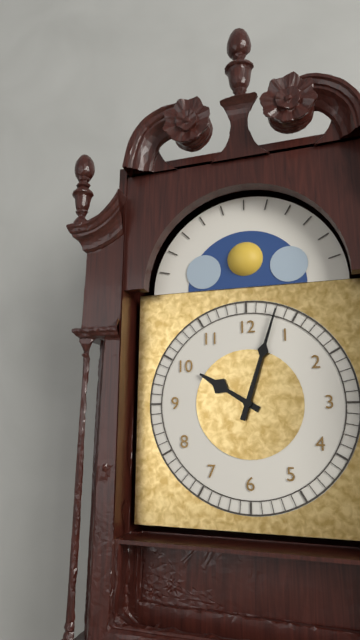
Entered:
10 h 03 min
